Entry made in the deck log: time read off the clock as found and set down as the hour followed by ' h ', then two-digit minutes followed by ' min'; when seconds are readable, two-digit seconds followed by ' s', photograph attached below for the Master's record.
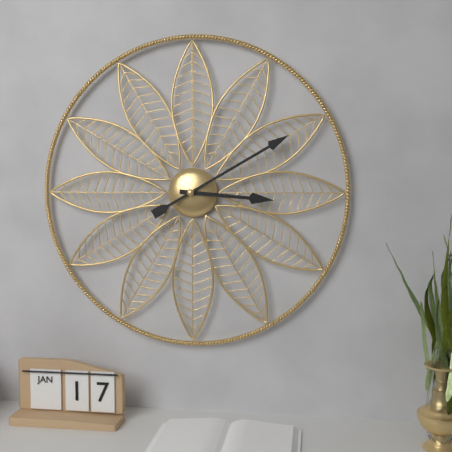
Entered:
3 h 10 min
